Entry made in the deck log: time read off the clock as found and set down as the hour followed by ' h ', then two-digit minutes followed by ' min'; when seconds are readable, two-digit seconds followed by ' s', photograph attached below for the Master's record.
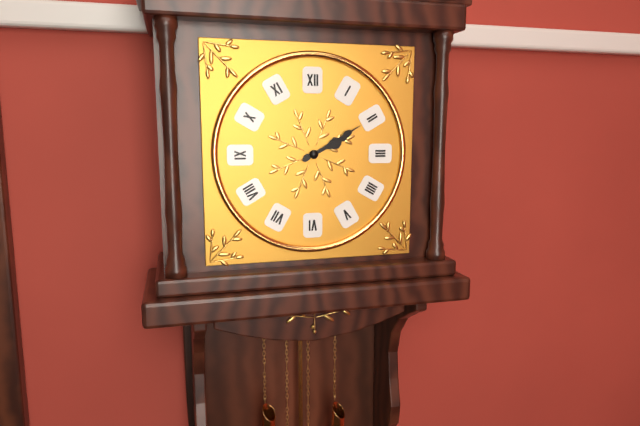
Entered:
2 h 10 min
